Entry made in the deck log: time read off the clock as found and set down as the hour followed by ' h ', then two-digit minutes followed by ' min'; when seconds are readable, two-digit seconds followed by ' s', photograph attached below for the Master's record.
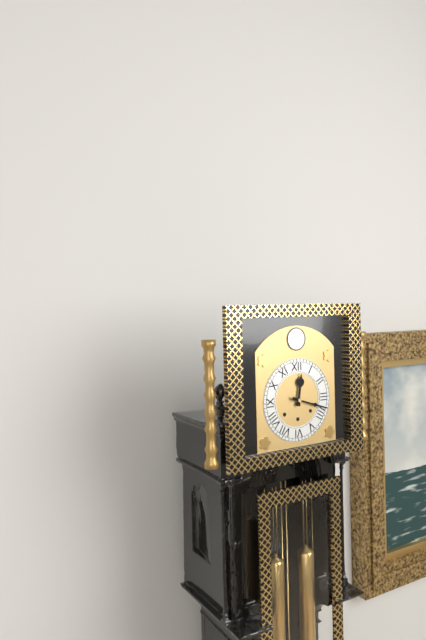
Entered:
12 h 18 min
